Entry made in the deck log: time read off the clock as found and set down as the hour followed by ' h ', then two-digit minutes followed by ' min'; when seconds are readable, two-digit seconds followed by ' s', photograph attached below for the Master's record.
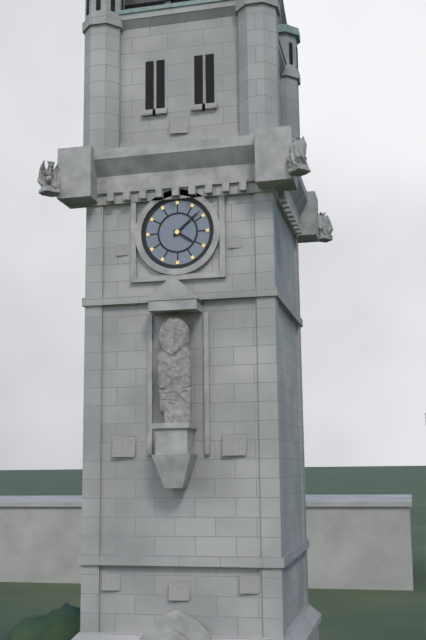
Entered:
4 h 08 min
